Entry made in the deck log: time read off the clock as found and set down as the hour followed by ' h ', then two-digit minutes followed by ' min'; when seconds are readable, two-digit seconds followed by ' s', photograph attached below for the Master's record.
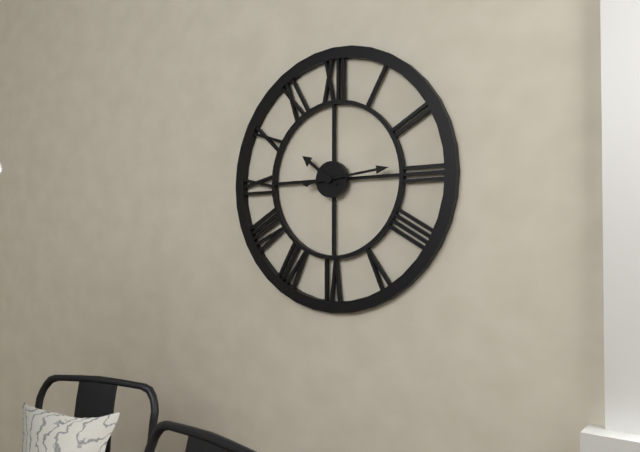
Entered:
10 h 14 min
